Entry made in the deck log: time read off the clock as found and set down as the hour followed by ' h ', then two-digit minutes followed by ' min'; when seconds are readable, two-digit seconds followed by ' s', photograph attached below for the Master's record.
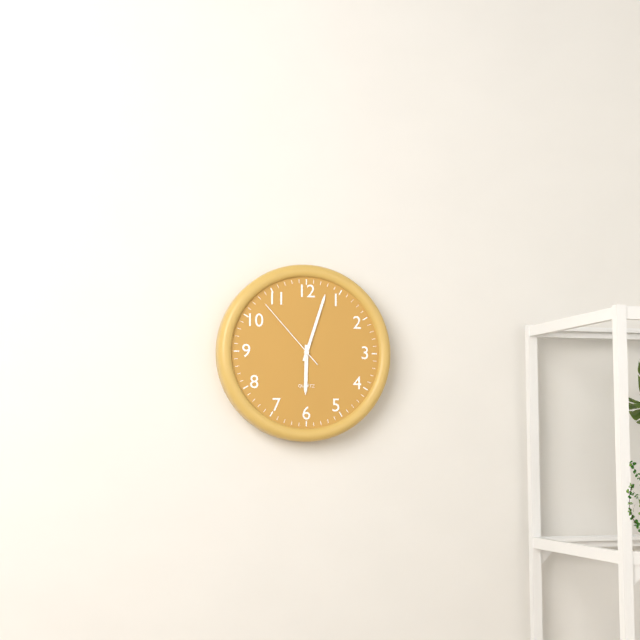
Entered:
6 h 03 min 53 s
